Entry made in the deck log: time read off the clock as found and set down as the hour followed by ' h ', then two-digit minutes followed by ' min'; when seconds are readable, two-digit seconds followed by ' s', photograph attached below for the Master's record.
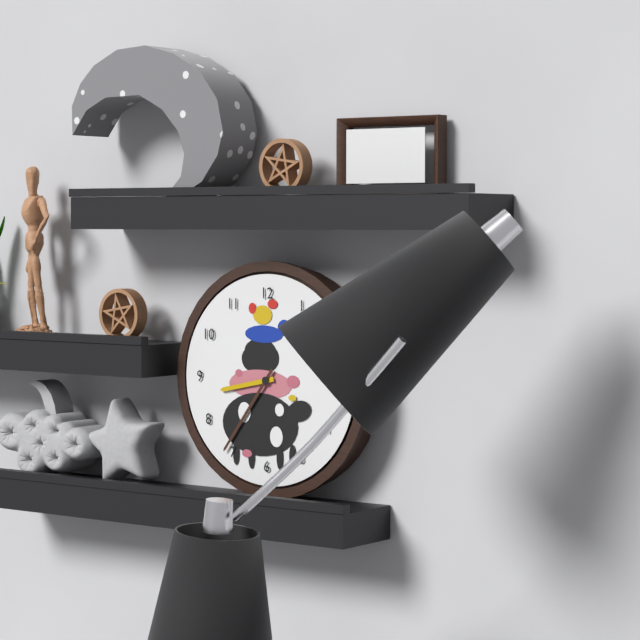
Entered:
8 h 36 min
